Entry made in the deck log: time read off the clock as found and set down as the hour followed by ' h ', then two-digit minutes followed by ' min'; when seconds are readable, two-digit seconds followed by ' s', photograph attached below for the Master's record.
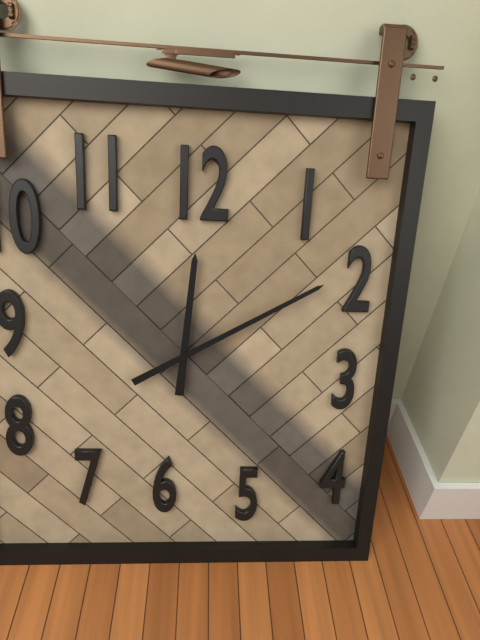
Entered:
12 h 10 min
